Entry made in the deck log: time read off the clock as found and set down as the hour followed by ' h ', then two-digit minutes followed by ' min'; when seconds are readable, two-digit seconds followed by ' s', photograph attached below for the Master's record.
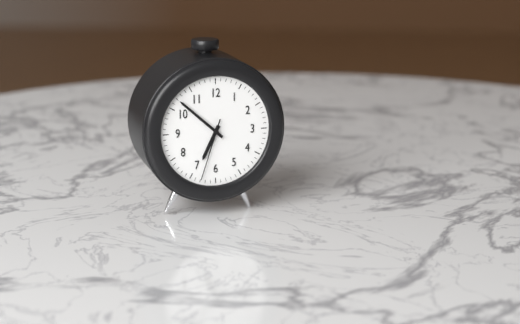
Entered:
6 h 52 min 33 s
